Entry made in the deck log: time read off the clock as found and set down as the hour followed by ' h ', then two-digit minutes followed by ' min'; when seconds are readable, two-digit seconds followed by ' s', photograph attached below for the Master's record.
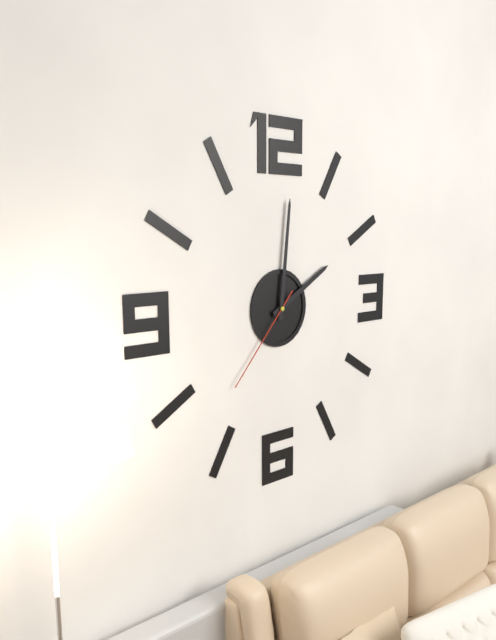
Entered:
2 h 01 min 37 s
